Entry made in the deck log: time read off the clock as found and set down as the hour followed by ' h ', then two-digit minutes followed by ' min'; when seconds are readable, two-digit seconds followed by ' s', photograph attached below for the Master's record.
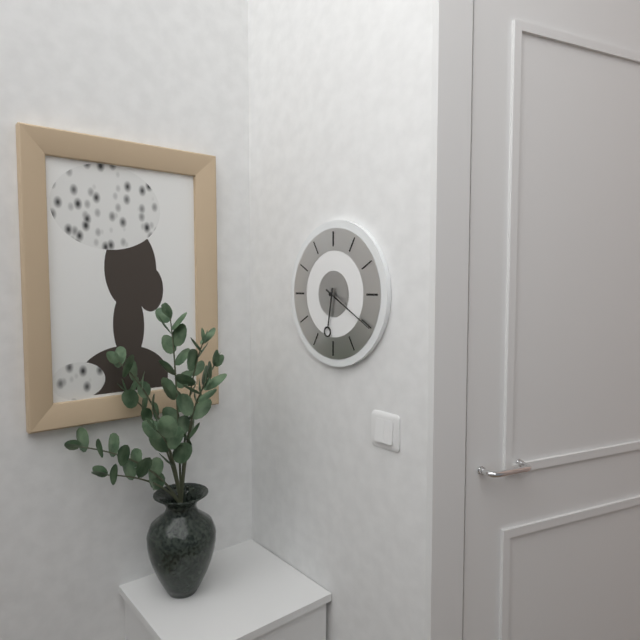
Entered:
6 h 20 min
